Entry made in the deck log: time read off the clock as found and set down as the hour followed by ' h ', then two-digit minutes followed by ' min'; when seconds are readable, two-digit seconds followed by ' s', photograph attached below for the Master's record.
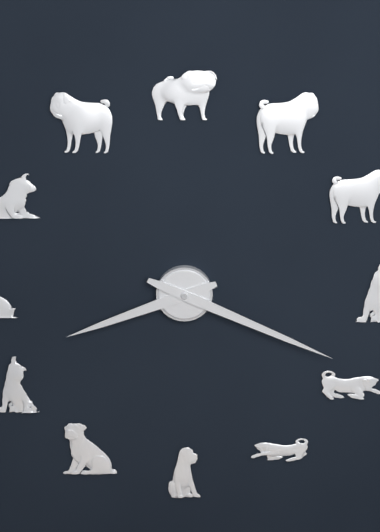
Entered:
8 h 19 min
